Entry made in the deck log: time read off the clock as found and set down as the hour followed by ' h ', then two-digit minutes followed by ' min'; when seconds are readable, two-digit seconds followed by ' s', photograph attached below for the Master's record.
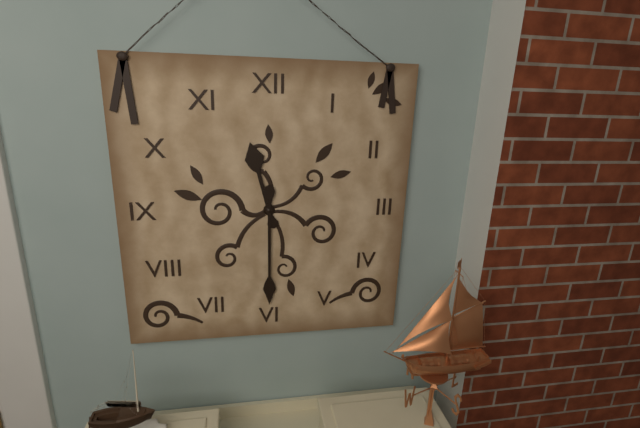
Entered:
11 h 30 min
